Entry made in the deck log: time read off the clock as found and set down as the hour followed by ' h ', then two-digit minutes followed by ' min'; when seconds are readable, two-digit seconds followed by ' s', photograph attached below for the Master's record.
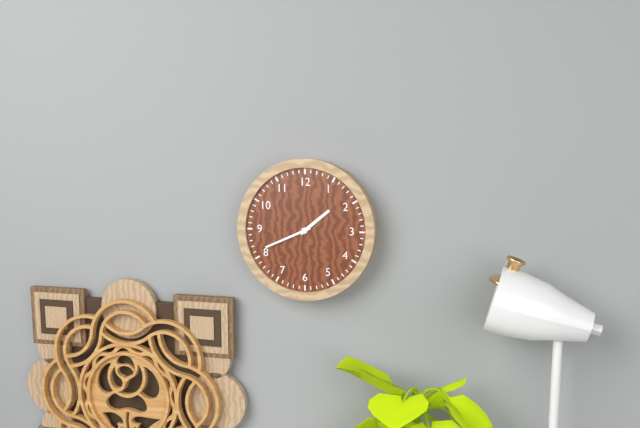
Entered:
1 h 41 min
